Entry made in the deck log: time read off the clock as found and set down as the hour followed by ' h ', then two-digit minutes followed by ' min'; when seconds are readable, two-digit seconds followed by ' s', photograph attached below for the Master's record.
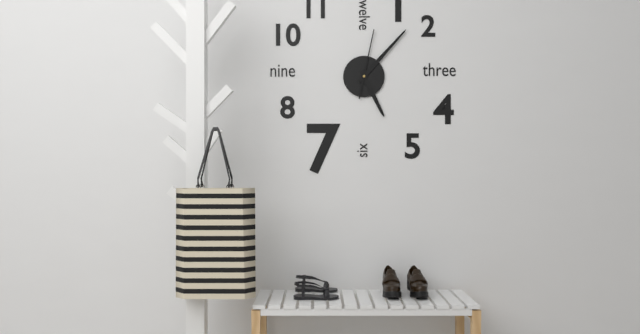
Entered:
5 h 07 min 02 s
